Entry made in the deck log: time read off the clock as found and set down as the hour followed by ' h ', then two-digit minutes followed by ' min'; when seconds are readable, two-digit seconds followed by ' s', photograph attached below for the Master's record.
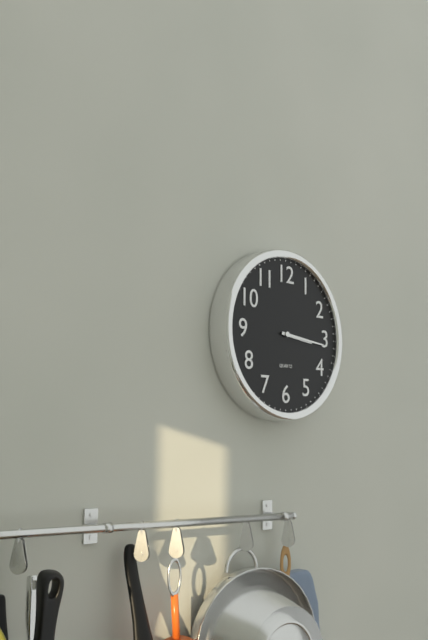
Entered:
3 h 16 min
